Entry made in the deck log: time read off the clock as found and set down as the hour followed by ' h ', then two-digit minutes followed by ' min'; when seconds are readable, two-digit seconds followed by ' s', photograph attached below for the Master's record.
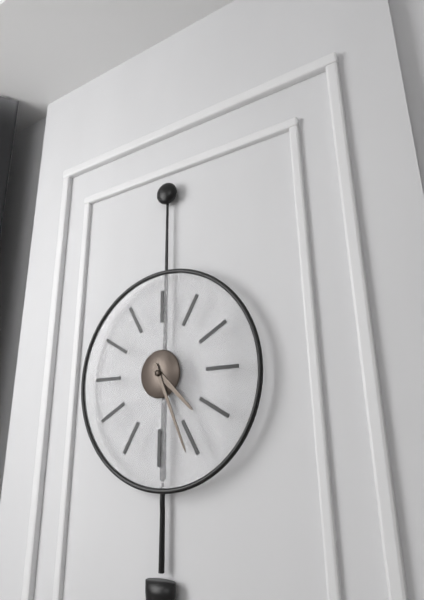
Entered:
4 h 26 min
